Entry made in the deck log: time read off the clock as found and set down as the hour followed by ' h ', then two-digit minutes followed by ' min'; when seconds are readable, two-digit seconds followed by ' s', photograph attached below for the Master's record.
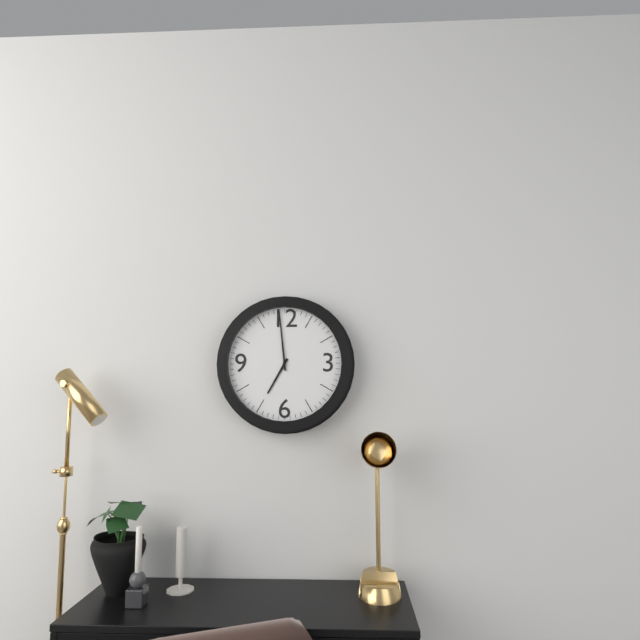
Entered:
6 h 59 min
